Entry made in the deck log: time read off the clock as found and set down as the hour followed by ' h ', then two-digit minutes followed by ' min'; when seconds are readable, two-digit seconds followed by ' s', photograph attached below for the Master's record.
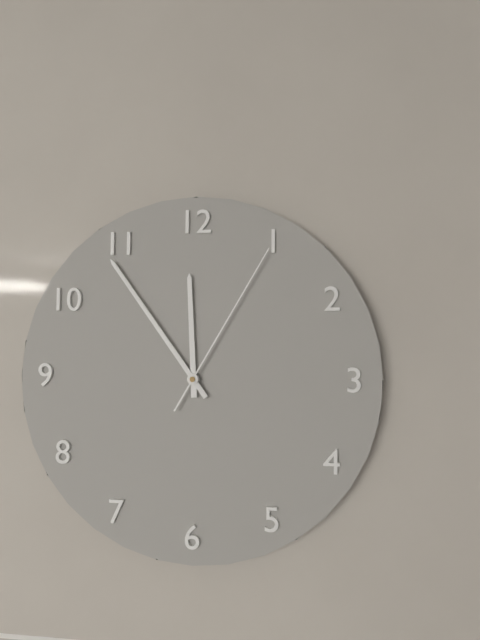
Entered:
11 h 54 min 05 s
